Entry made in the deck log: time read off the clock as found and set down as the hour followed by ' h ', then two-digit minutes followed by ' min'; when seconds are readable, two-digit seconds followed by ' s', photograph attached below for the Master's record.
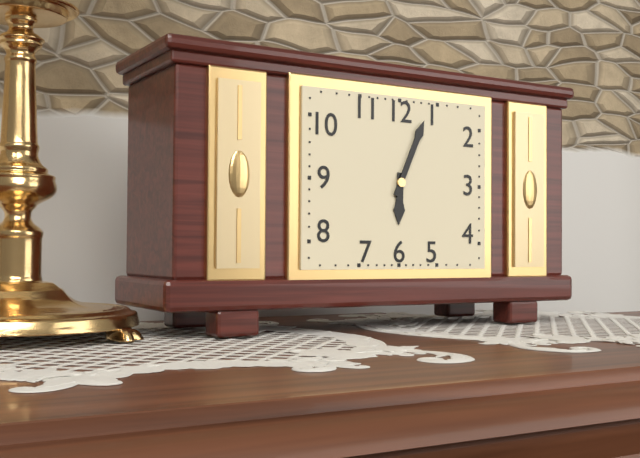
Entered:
6 h 04 min
